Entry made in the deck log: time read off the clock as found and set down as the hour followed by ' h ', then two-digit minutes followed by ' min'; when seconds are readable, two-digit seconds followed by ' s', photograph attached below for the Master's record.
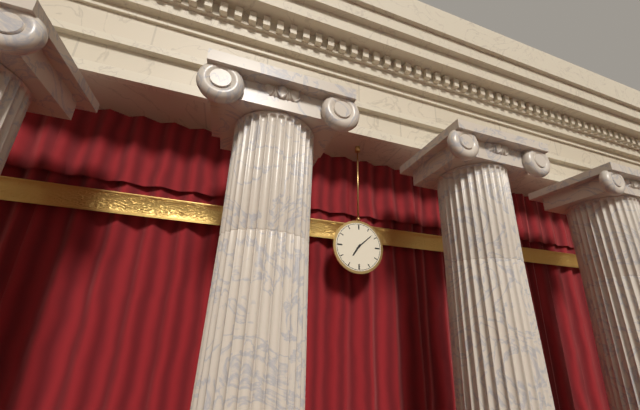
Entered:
7 h 08 min
